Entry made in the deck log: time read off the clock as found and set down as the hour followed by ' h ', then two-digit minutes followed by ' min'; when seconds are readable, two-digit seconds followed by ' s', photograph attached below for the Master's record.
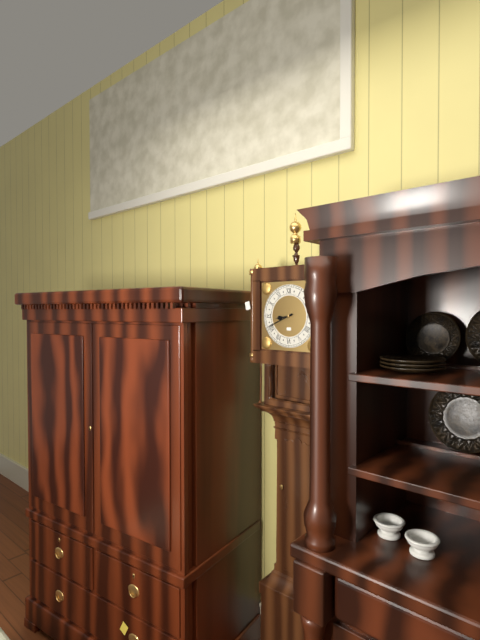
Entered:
8 h 41 min
